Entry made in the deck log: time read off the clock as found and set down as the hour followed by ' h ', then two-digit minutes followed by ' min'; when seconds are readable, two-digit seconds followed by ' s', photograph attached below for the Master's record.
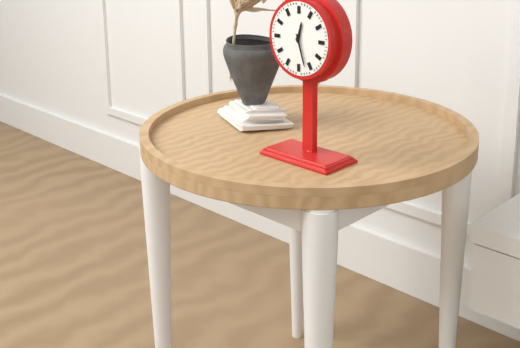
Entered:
12 h 27 min
